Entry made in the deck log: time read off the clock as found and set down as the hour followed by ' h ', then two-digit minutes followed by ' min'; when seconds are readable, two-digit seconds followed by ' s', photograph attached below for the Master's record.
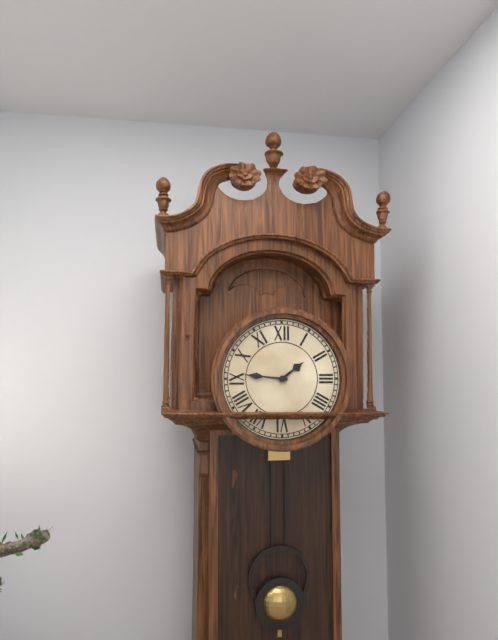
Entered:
1 h 46 min
